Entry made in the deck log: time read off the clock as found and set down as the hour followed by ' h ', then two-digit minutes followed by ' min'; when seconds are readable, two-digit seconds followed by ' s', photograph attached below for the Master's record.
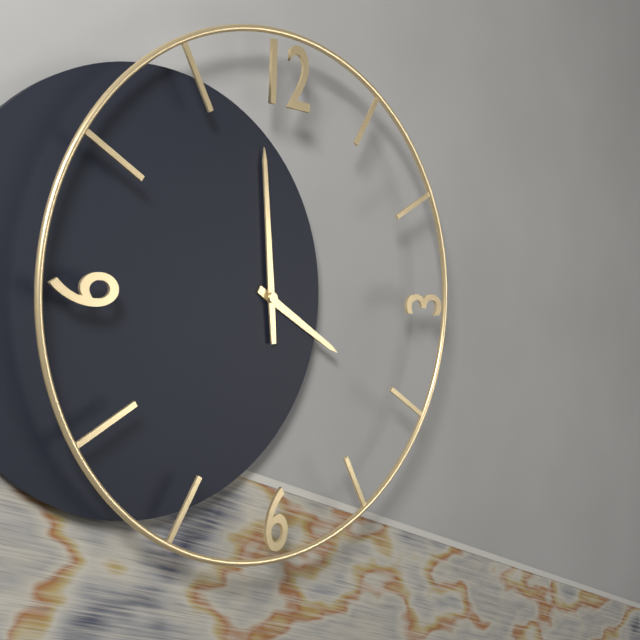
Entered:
3 h 59 min
